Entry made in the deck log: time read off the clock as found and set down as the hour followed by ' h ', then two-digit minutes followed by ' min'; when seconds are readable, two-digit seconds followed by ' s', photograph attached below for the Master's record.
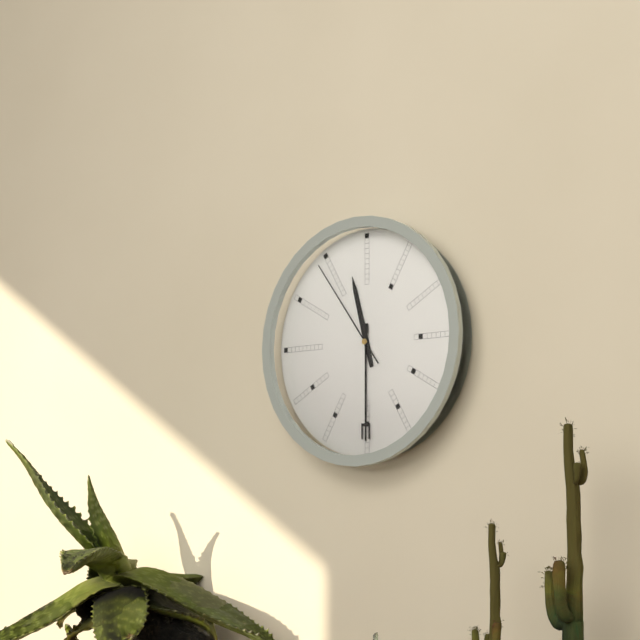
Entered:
11 h 30 min 54 s
